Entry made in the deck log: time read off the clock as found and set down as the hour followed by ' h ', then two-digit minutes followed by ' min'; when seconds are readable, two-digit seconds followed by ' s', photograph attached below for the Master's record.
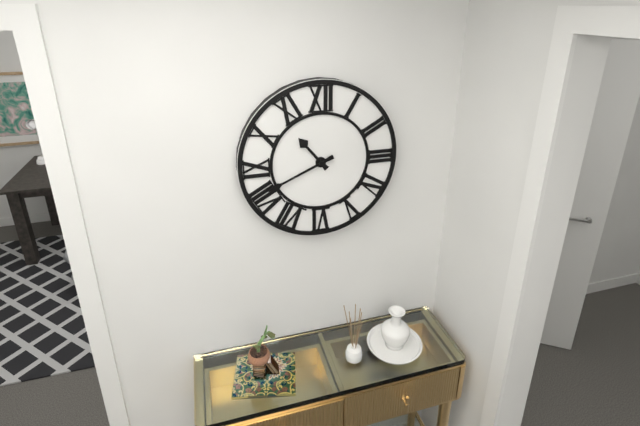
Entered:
10 h 41 min
